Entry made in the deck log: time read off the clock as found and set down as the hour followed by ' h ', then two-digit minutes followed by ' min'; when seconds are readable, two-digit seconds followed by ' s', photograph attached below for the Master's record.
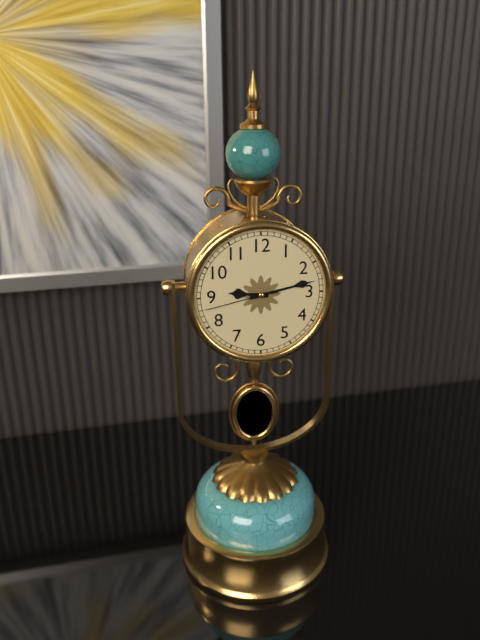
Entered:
9 h 13 min 43 s
